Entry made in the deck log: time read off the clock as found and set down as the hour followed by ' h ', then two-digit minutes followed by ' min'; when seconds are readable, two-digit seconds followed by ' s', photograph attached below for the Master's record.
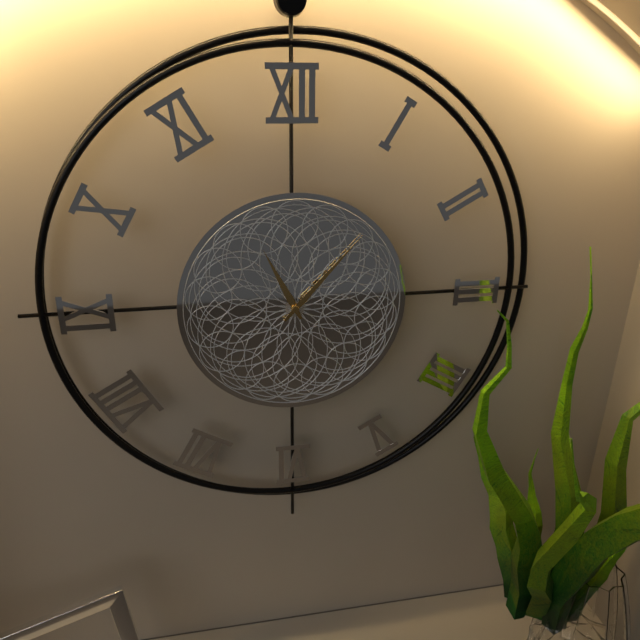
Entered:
11 h 07 min
